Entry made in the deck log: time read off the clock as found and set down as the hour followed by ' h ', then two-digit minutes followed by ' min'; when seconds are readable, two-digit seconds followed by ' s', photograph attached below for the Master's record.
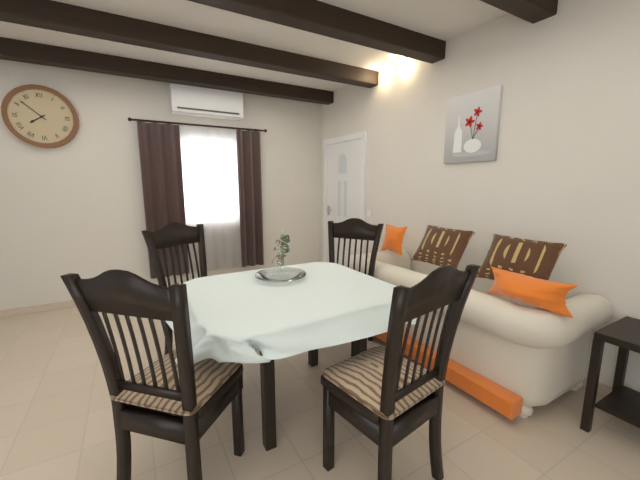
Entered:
7 h 52 min
